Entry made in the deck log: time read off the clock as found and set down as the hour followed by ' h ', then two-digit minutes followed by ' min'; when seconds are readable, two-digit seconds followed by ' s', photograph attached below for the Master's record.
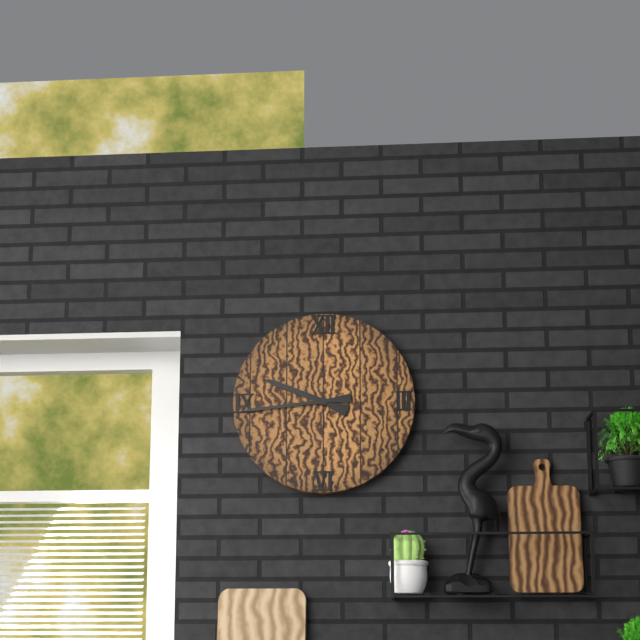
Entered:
9 h 44 min
